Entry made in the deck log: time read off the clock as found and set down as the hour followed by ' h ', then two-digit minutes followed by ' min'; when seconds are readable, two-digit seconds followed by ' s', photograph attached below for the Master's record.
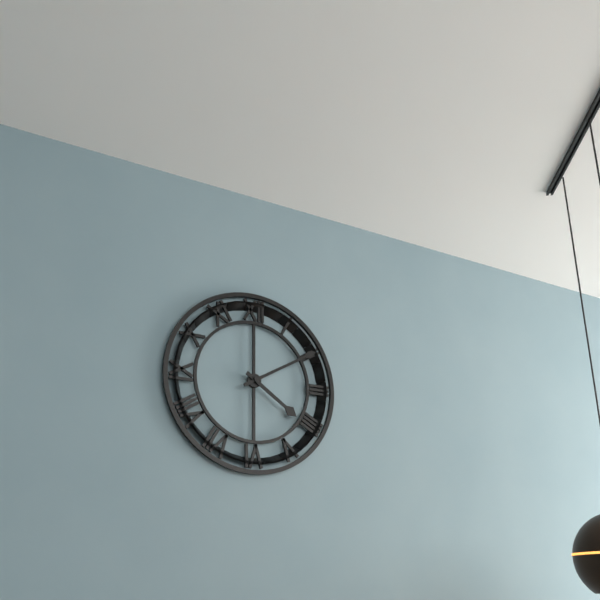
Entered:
4 h 10 min
